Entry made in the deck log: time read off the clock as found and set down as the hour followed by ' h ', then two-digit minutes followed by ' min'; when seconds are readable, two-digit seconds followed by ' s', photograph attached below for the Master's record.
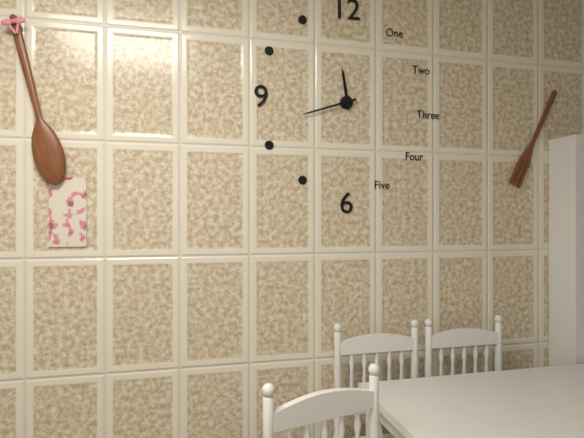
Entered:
11 h 42 min
